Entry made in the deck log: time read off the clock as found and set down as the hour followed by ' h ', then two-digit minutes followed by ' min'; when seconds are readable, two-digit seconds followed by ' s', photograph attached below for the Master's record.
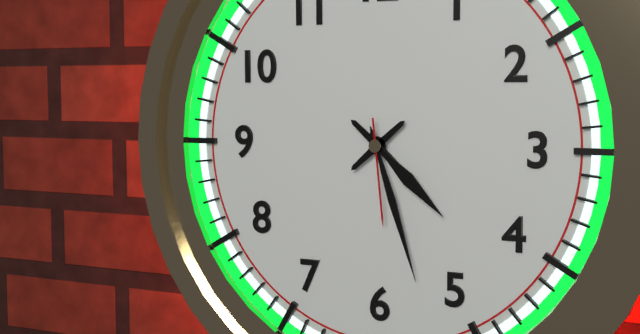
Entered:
4 h 27 min 29 s
